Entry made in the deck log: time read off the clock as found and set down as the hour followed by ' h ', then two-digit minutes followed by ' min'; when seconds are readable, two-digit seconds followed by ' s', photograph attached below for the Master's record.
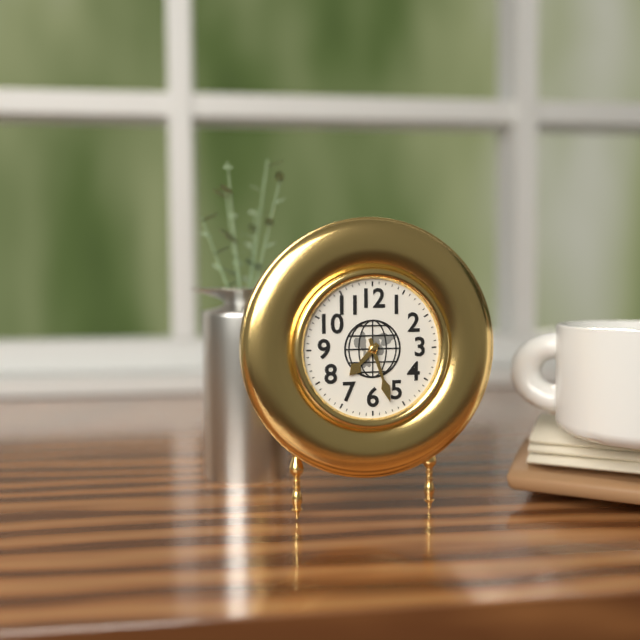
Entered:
7 h 27 min
